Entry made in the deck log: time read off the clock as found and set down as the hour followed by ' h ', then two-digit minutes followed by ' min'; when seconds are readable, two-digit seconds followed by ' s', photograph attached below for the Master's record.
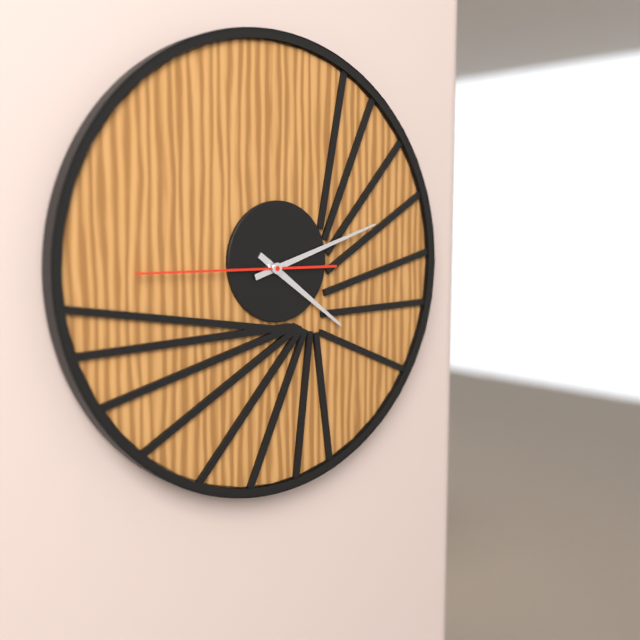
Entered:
4 h 12 min 45 s
